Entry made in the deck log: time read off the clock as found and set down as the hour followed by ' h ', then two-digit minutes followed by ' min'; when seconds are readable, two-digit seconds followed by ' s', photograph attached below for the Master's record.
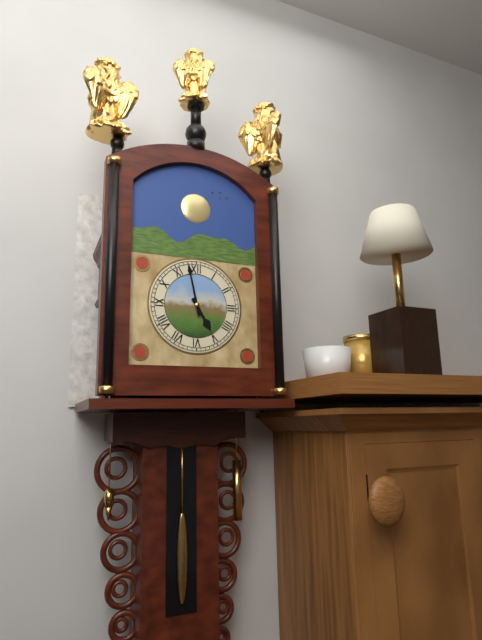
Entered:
4 h 58 min
